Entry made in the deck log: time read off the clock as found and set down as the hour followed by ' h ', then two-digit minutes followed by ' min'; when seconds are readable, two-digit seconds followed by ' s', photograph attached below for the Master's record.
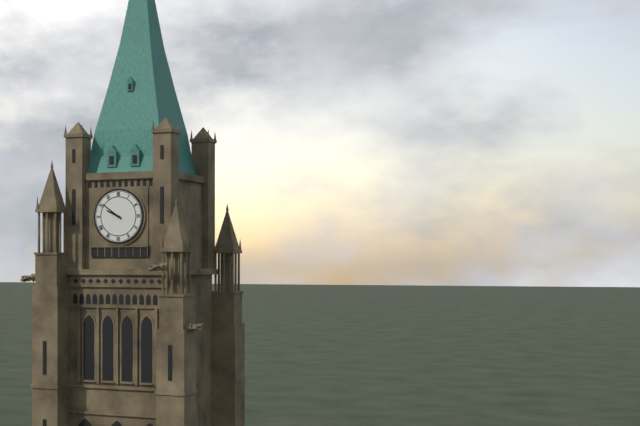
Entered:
9 h 51 min
